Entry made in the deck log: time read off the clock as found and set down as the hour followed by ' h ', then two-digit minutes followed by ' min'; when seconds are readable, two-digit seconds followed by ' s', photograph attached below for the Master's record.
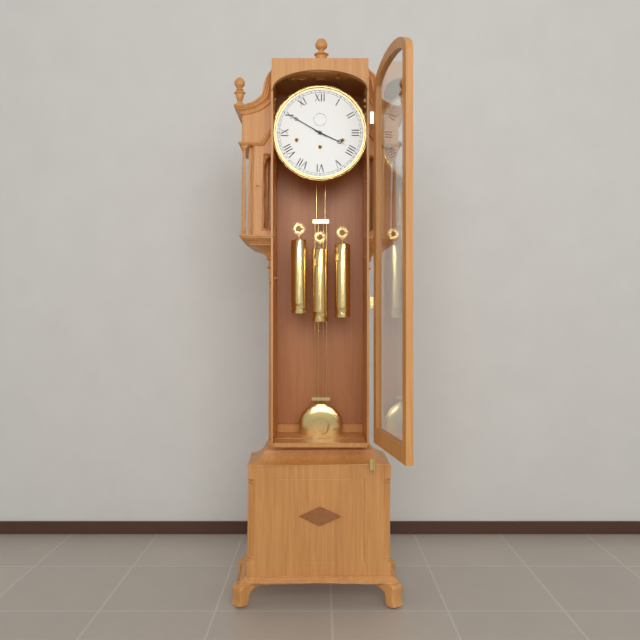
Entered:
3 h 50 min
